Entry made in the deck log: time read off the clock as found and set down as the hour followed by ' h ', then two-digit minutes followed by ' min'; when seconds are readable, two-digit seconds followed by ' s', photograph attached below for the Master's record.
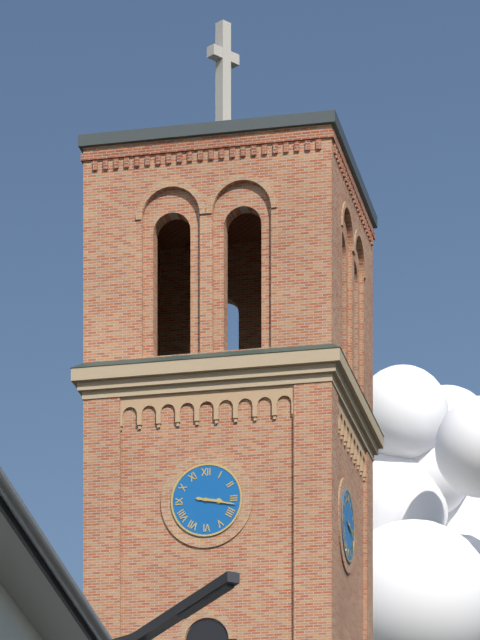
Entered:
3 h 17 min
